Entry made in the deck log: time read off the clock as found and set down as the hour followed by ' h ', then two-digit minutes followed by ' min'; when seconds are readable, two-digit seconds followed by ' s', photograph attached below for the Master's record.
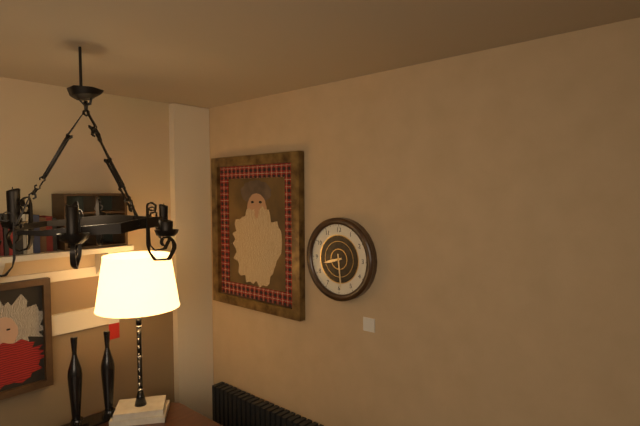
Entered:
8 h 29 min
